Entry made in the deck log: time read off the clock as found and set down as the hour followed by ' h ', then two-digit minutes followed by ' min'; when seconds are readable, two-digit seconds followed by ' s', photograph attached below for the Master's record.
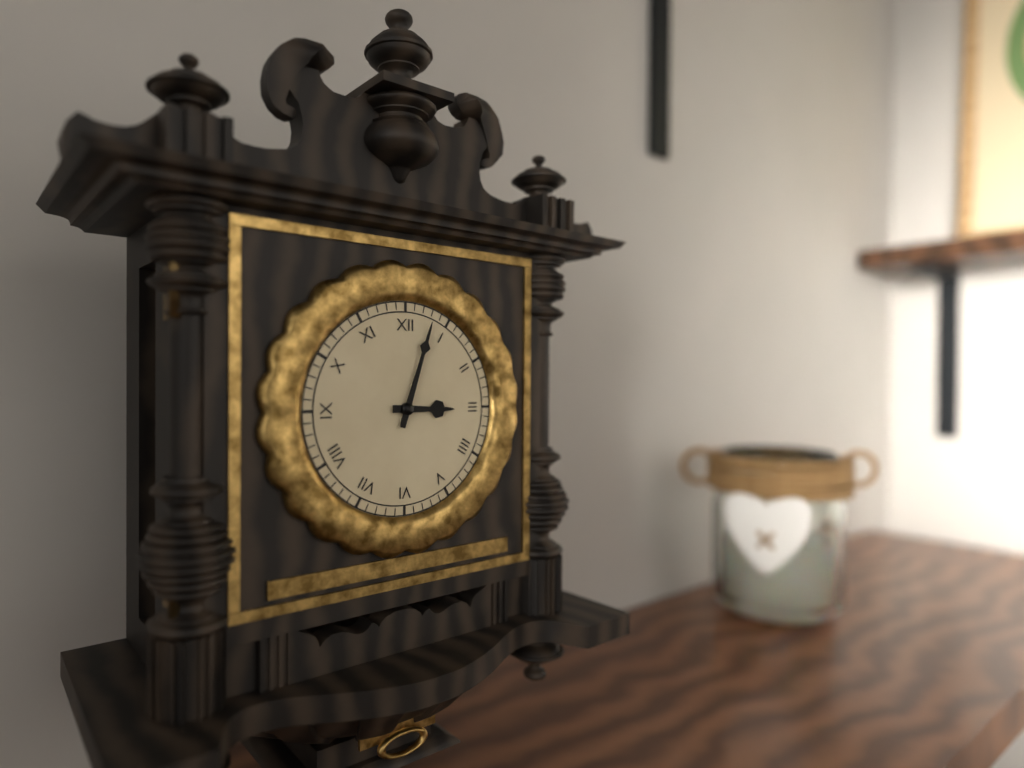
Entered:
3 h 03 min
